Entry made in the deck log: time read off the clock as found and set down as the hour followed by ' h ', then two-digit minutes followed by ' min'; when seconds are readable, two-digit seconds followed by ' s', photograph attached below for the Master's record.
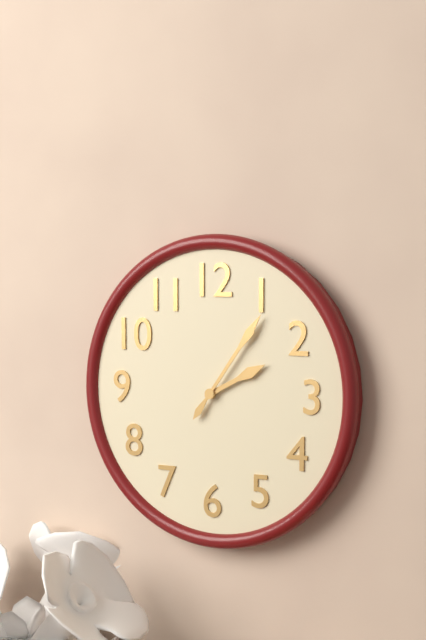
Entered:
2 h 06 min
